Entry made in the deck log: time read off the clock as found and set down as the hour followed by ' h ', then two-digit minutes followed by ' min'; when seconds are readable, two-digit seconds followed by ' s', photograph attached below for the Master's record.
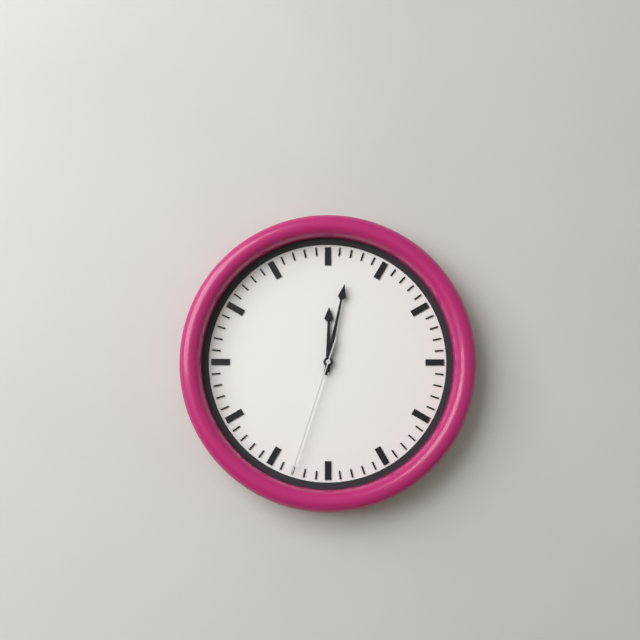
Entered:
12 h 02 min 33 s
